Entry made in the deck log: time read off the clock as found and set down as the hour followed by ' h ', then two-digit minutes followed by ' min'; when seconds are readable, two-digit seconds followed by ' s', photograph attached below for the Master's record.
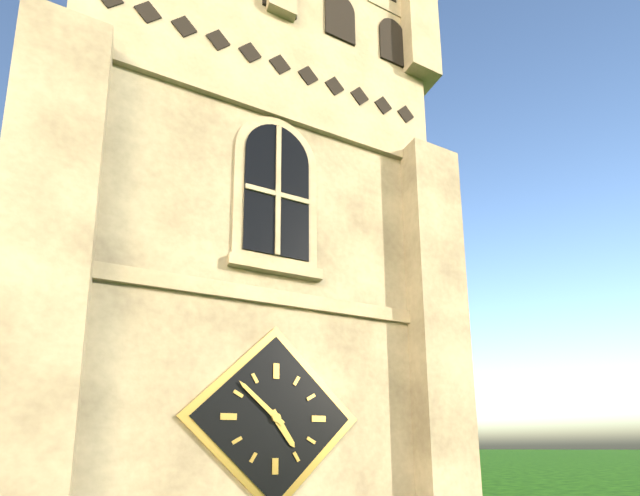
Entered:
4 h 52 min
